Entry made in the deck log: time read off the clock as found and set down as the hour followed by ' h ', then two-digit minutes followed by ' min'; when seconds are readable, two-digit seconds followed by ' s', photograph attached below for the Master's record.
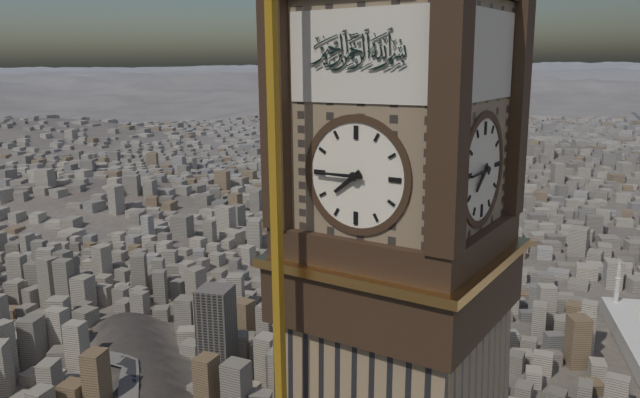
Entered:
7 h 45 min
